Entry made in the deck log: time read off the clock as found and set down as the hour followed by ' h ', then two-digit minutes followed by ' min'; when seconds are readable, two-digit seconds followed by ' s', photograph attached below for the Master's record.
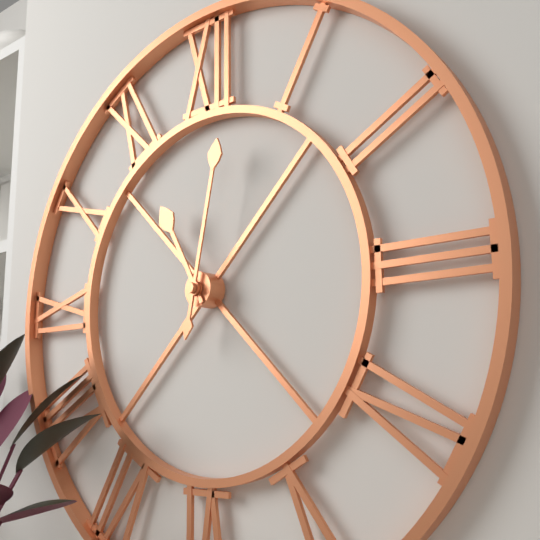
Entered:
11 h 02 min
